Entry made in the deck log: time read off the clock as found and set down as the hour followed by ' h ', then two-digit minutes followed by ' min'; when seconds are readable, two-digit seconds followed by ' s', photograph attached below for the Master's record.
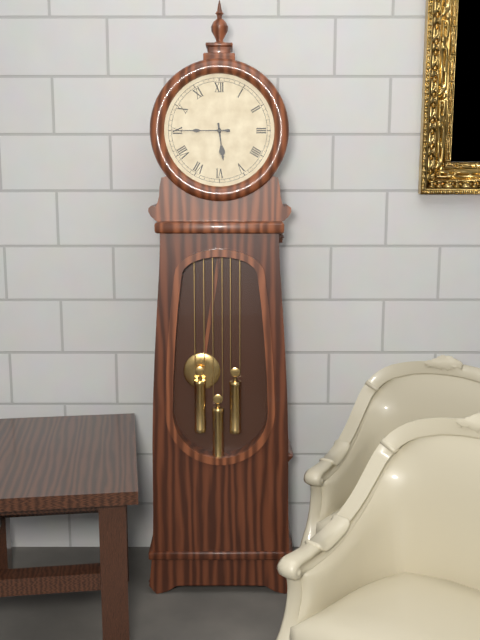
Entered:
5 h 45 min
